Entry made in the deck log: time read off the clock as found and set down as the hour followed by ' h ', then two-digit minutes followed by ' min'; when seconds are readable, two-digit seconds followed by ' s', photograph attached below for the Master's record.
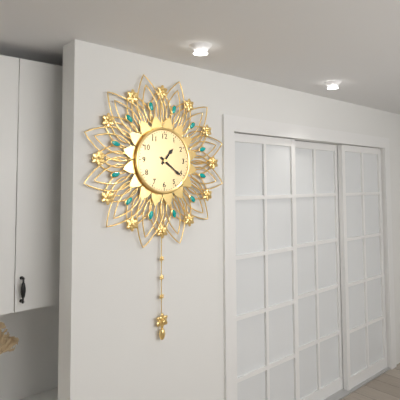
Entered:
1 h 21 min
